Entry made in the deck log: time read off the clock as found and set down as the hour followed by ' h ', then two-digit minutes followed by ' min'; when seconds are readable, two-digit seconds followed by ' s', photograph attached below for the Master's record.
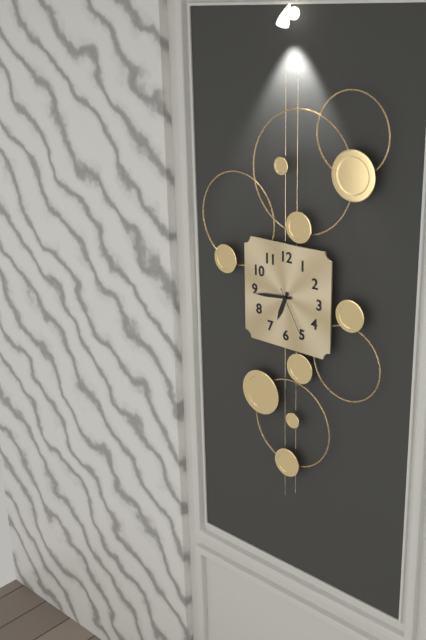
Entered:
6 h 44 min 25 s
